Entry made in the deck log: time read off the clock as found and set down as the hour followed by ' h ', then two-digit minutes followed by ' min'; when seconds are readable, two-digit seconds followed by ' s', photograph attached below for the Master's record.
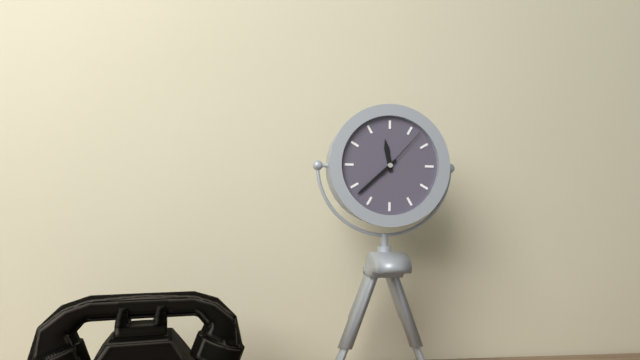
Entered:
11 h 38 min 07 s
